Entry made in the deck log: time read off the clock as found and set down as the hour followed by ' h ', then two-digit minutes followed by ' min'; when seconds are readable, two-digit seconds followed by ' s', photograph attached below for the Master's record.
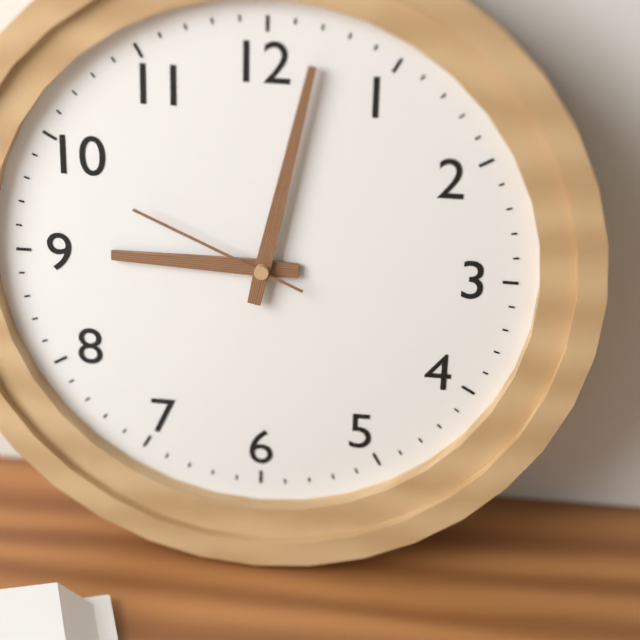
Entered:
9 h 02 min 49 s
